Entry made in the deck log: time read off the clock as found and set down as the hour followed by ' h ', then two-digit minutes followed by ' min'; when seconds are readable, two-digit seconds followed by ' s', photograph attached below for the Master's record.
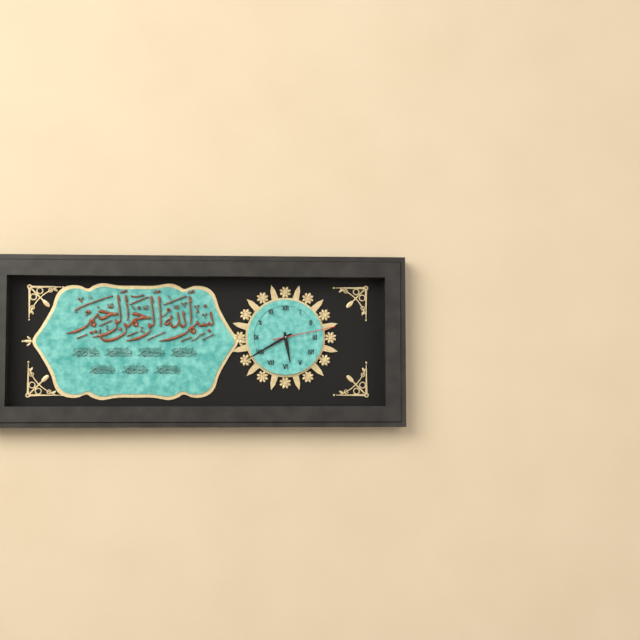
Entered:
5 h 40 min 13 s
